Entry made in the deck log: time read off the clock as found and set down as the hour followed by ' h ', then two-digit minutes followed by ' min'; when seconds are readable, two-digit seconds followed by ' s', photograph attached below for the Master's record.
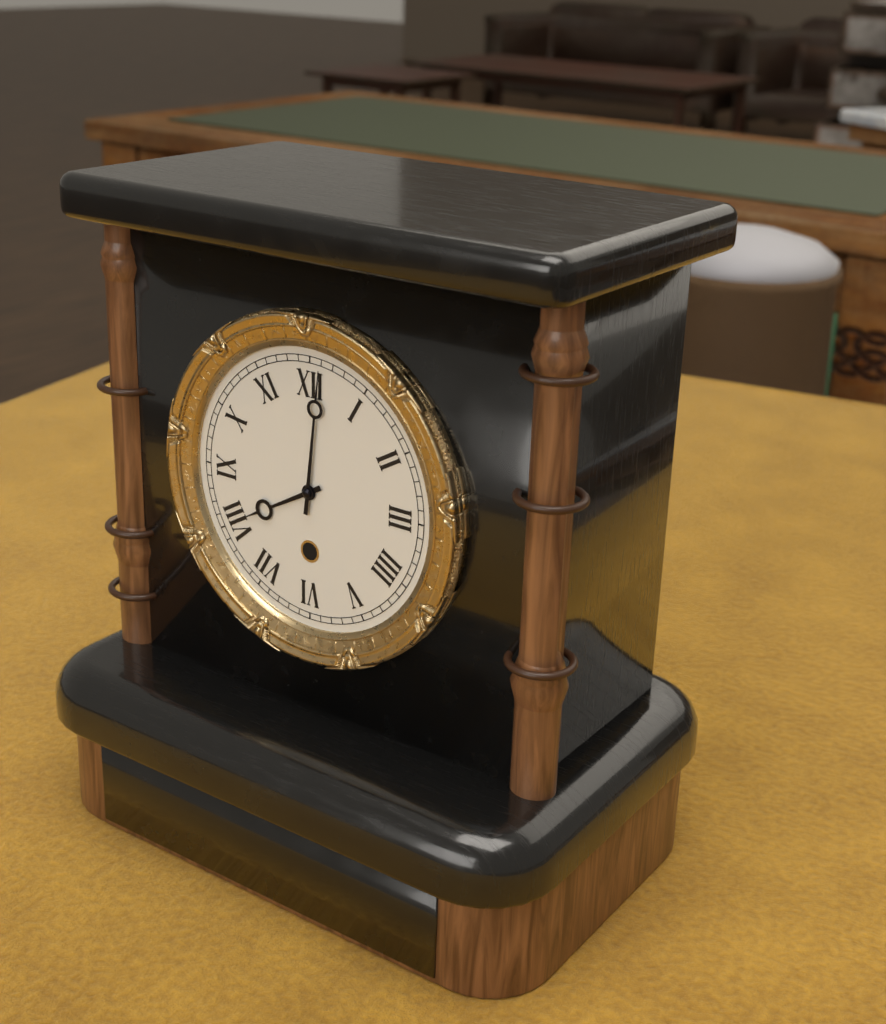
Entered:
8 h 01 min
